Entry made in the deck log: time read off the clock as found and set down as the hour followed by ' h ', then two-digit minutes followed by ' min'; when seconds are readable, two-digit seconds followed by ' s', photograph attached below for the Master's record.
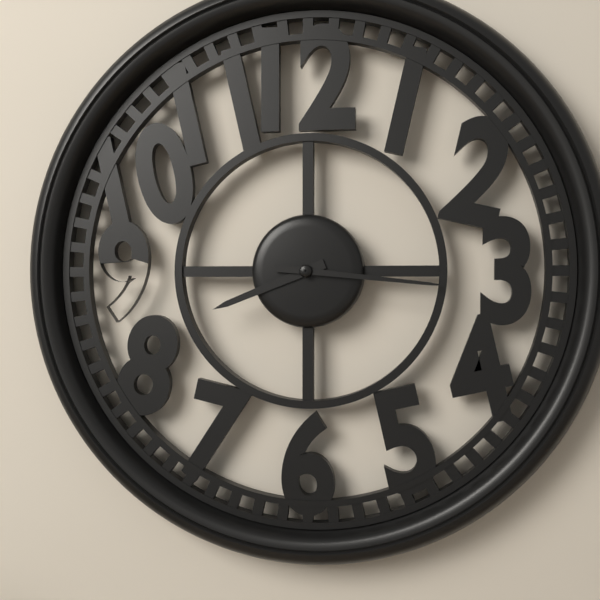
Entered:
8 h 16 min
